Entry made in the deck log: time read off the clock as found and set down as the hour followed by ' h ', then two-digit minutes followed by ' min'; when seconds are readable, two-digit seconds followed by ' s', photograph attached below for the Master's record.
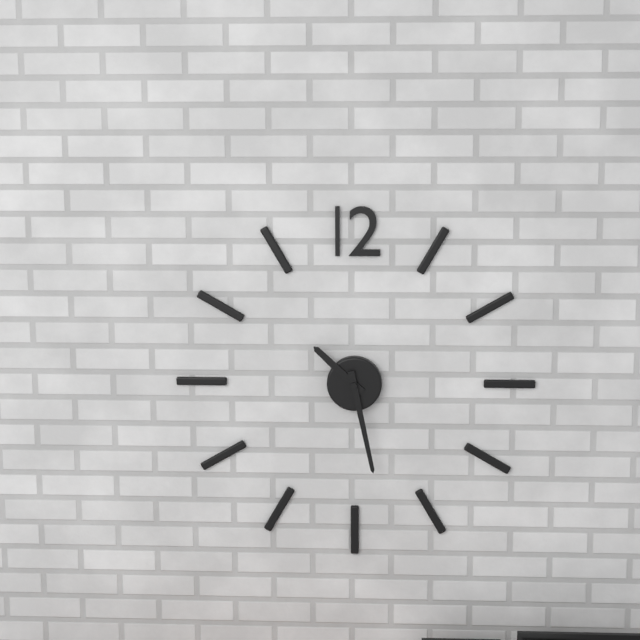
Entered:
10 h 28 min
